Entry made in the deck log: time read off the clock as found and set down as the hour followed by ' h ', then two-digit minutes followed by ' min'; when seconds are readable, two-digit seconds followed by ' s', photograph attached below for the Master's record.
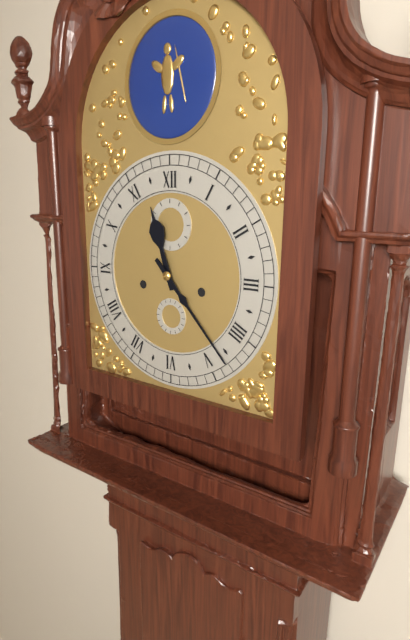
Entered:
11 h 23 min
